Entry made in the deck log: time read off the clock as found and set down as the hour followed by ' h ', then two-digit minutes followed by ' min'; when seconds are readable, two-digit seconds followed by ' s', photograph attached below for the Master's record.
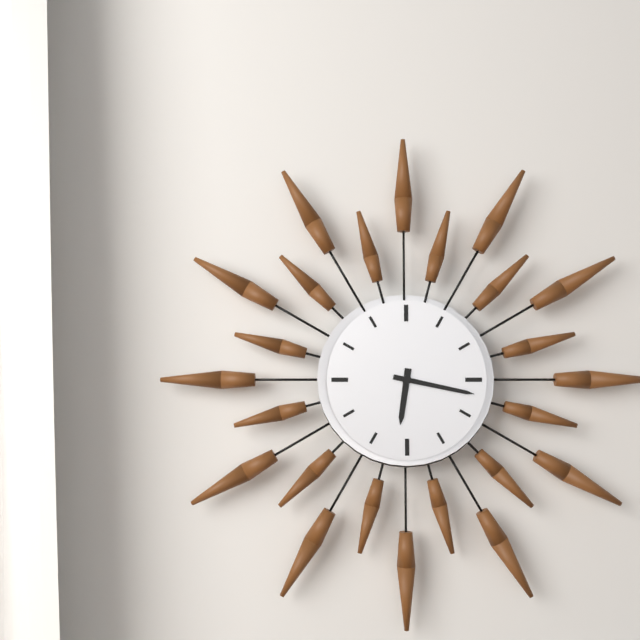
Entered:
6 h 17 min
